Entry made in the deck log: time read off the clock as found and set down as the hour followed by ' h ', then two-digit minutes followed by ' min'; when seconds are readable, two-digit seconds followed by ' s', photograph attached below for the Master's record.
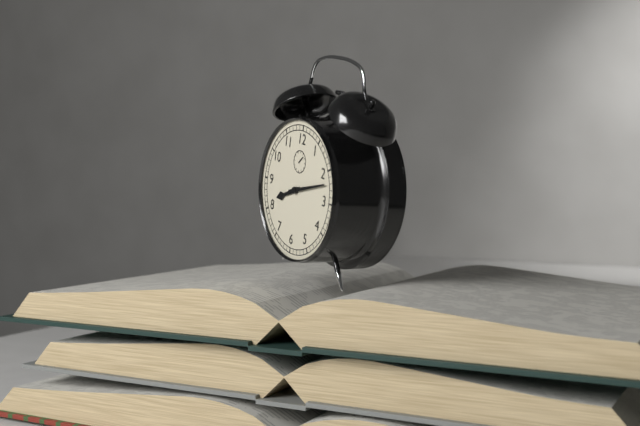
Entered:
8 h 12 min
